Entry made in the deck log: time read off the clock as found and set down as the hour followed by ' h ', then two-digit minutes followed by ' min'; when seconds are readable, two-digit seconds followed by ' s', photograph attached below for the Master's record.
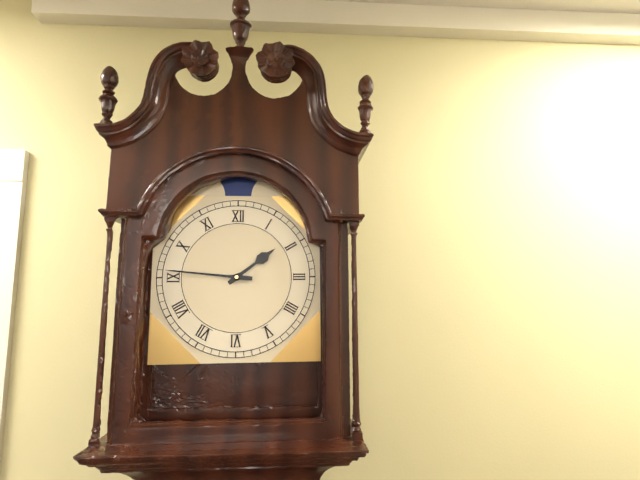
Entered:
1 h 46 min
